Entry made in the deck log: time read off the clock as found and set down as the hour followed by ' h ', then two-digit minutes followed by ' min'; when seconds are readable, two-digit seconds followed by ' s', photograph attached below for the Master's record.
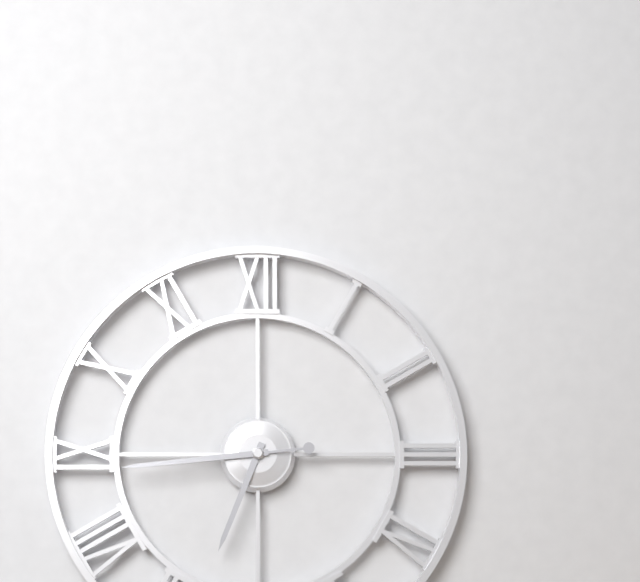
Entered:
6 h 44 min
